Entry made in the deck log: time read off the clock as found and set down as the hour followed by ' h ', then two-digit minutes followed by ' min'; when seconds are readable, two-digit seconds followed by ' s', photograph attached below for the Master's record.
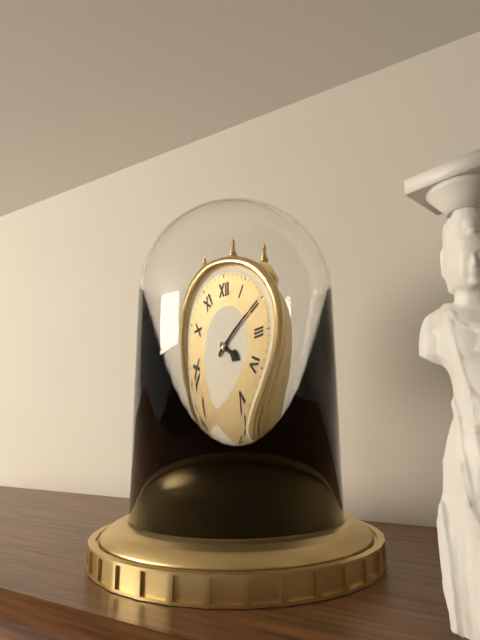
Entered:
4 h 10 min
